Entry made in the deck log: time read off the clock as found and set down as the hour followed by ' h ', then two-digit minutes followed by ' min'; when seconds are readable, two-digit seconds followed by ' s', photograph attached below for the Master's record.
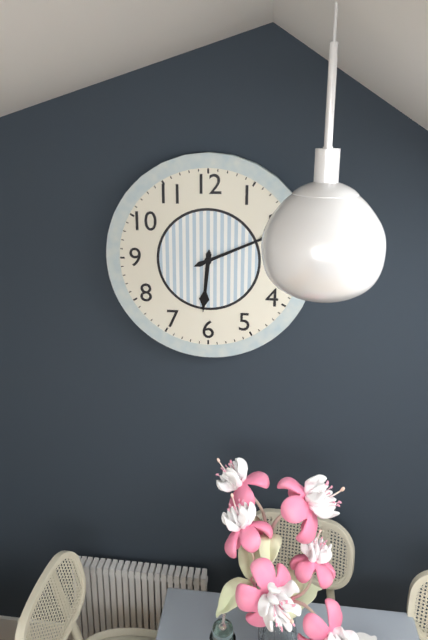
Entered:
6 h 11 min
